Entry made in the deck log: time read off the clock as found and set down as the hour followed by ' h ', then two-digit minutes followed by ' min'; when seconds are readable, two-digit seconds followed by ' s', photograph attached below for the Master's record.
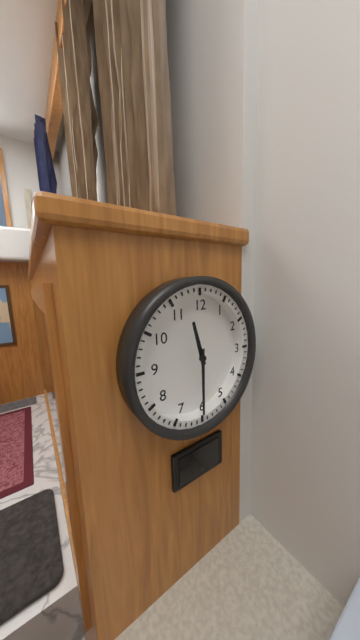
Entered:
11 h 30 min
